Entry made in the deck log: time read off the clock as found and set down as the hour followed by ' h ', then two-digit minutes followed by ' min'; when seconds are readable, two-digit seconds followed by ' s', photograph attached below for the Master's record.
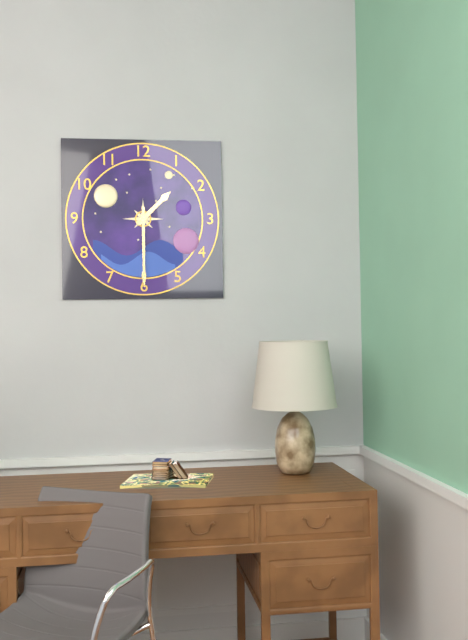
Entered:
1 h 30 min
